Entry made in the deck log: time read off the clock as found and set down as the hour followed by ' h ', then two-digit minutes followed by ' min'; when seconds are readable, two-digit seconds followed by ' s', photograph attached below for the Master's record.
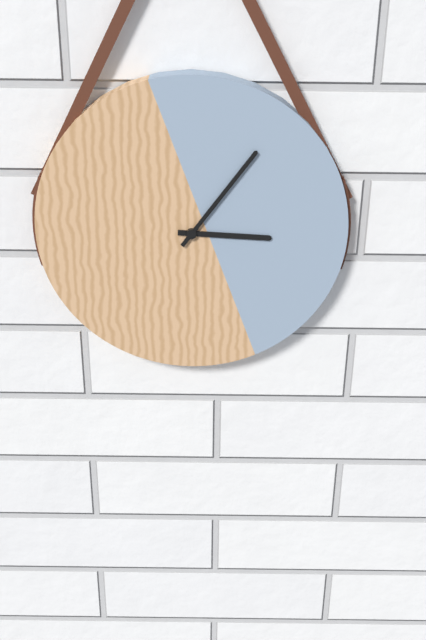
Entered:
3 h 06 min
